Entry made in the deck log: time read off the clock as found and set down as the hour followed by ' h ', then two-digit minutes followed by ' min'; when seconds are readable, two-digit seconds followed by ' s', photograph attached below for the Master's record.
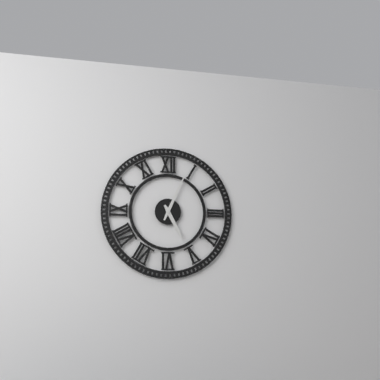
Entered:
5 h 04 min
